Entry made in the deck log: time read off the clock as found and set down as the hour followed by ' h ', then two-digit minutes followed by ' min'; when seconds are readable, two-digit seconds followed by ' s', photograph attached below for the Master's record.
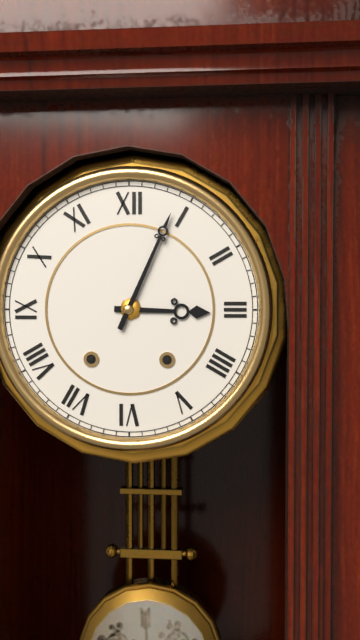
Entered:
3 h 04 min
